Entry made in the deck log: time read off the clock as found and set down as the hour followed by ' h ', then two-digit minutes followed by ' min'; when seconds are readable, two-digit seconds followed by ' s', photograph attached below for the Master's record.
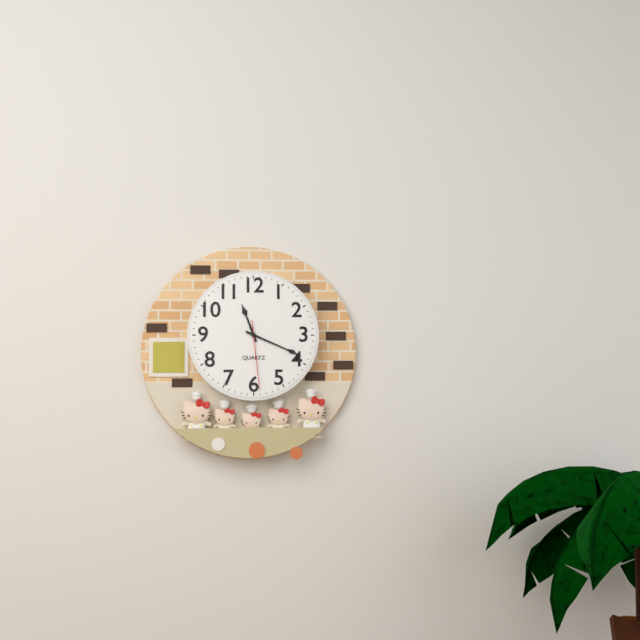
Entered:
11 h 19 min 29 s
